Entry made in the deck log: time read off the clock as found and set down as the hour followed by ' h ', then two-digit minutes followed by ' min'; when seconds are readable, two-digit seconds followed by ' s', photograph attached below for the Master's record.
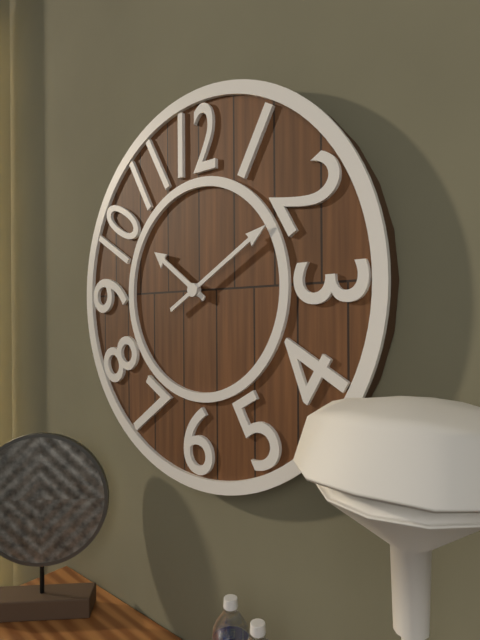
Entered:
10 h 10 min
